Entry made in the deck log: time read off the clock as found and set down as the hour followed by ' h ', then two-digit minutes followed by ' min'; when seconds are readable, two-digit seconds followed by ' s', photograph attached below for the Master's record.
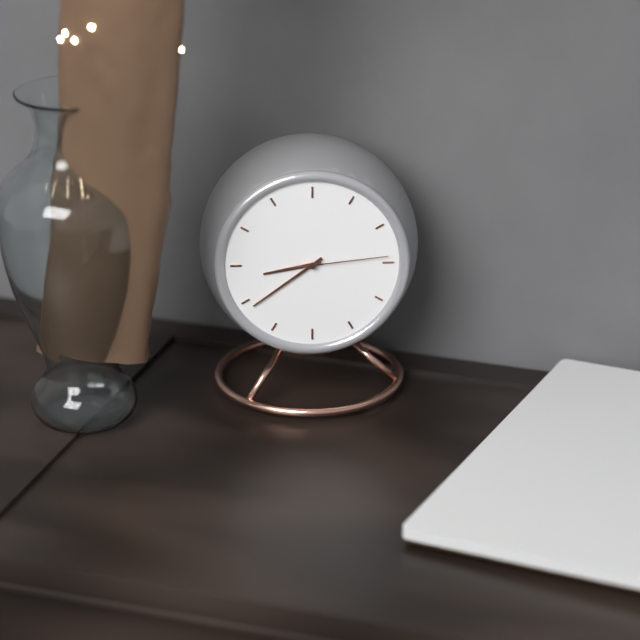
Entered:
8 h 39 min 14 s
